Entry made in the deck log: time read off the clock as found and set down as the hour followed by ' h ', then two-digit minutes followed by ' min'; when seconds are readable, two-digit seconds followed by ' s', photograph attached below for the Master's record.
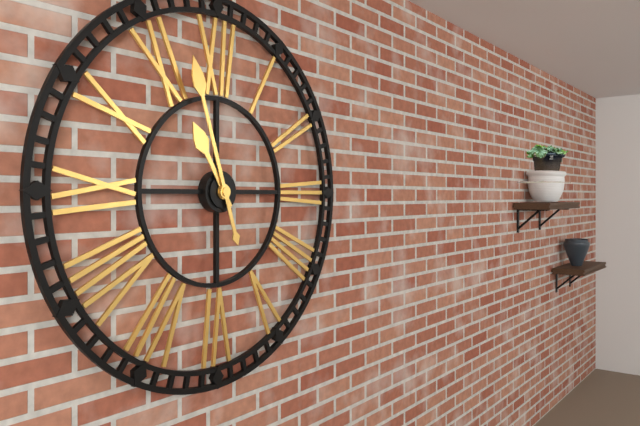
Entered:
10 h 57 min
